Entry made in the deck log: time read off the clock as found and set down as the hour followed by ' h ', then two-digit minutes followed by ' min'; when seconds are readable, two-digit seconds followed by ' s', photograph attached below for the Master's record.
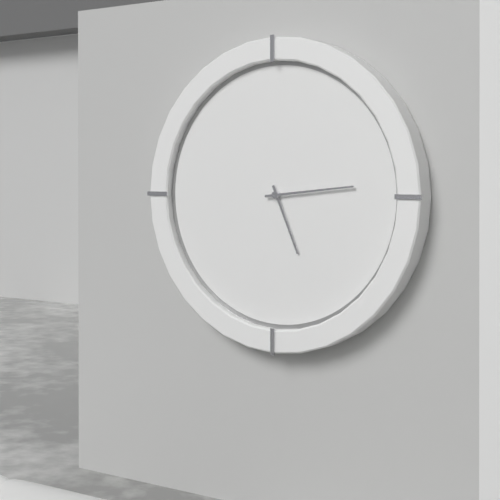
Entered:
5 h 14 min
